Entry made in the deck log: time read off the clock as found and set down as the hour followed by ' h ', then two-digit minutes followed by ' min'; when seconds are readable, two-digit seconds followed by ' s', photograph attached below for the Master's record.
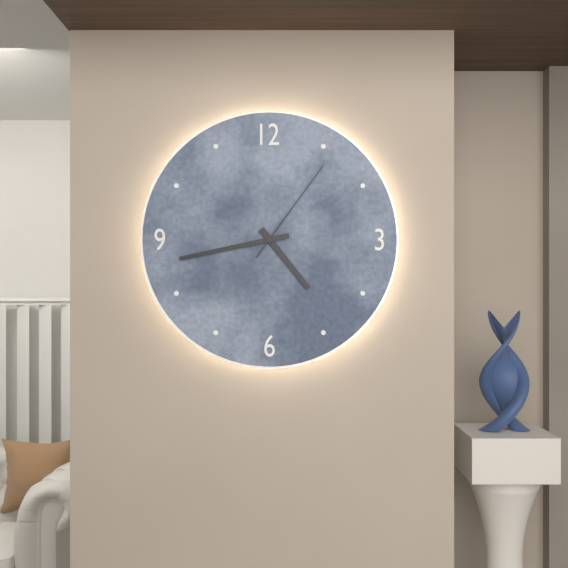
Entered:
4 h 43 min 06 s
